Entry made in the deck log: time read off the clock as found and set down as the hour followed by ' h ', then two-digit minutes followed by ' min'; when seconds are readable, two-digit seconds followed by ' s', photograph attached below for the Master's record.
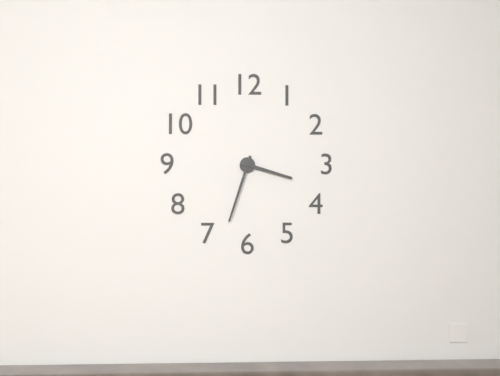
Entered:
3 h 33 min
